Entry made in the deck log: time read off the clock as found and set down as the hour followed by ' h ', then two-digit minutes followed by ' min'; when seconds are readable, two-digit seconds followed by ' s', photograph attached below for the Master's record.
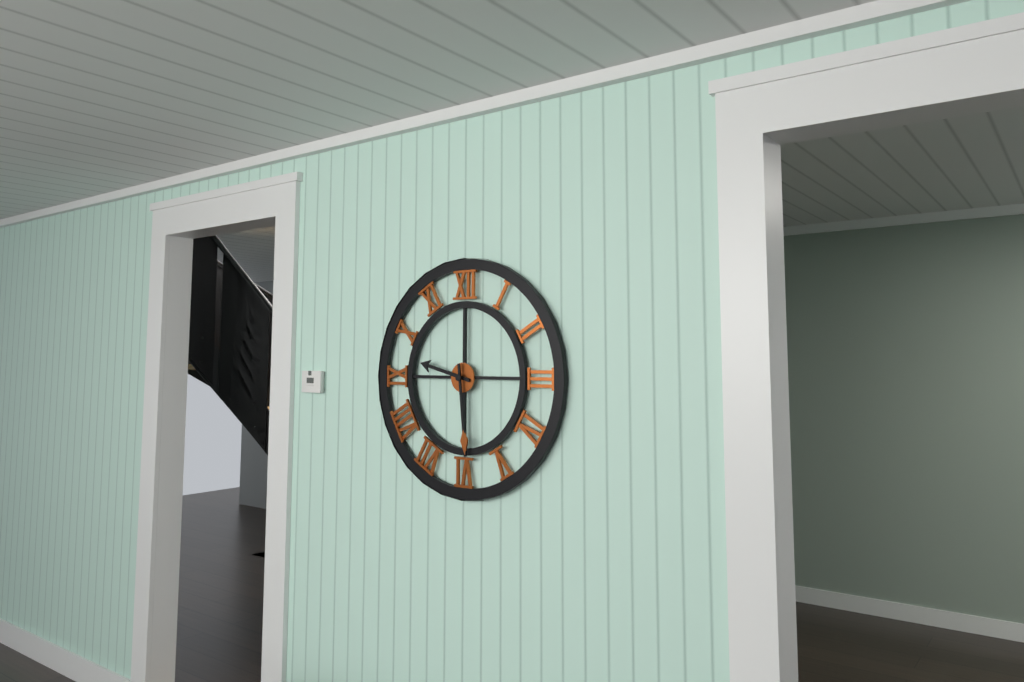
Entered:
9 h 29 min
